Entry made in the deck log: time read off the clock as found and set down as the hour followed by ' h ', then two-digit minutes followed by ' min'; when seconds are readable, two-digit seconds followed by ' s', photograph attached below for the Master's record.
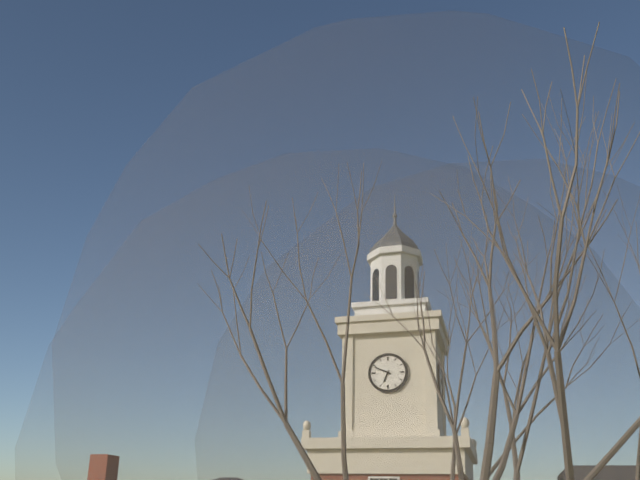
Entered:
6 h 49 min
